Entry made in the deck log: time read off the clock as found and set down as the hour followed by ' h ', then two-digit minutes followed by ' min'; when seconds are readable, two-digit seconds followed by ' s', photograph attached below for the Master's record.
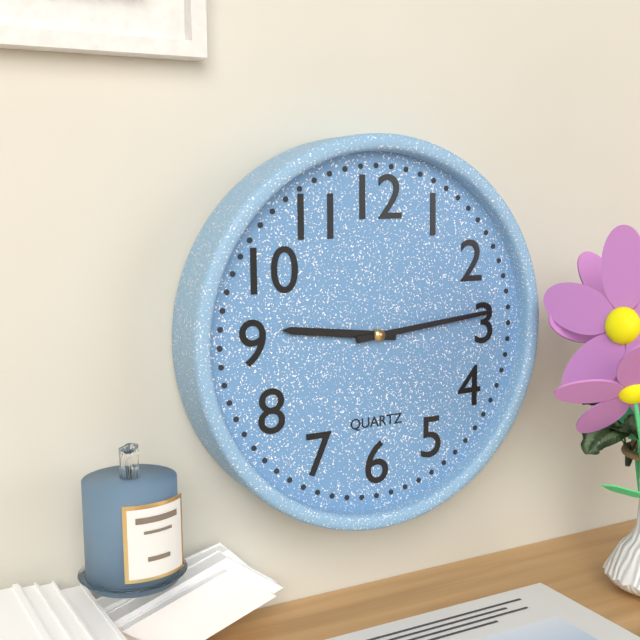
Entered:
9 h 14 min
